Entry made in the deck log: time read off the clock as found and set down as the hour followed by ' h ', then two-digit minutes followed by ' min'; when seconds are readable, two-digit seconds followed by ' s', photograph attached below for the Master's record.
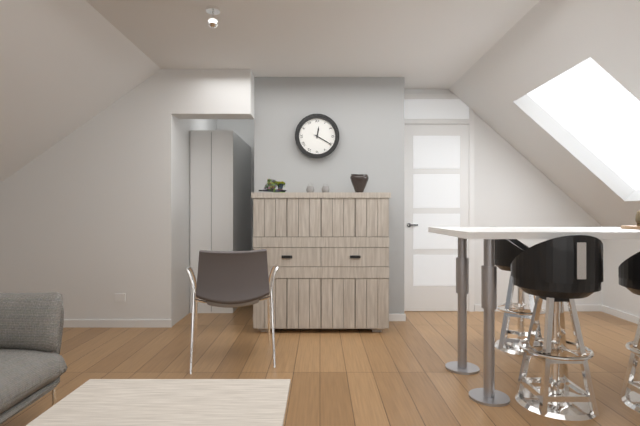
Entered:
12 h 20 min
